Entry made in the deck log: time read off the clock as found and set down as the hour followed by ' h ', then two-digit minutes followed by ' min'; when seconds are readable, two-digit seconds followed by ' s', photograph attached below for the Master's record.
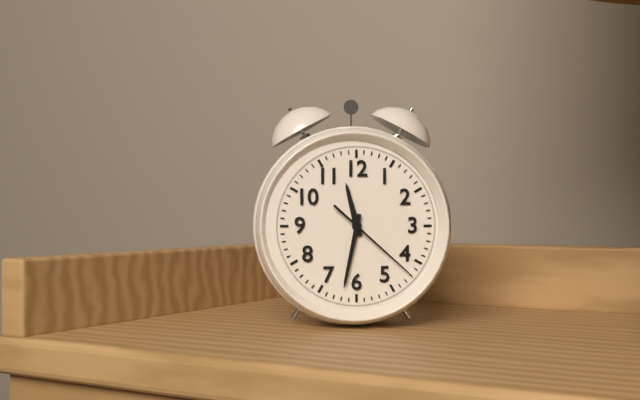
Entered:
11 h 32 min 22 s
